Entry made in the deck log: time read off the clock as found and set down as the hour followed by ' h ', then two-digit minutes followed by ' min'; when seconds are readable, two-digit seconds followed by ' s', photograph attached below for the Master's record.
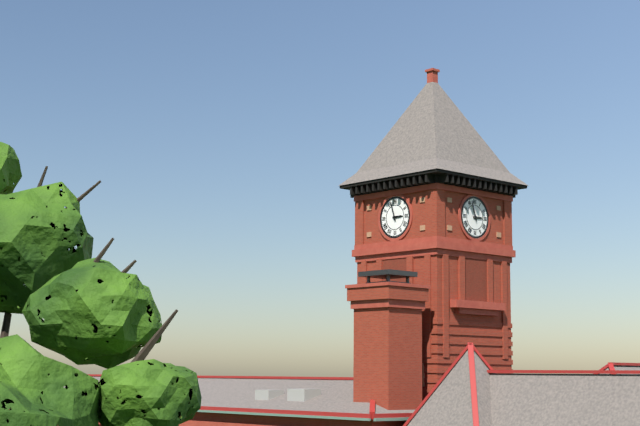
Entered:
2 h 57 min
